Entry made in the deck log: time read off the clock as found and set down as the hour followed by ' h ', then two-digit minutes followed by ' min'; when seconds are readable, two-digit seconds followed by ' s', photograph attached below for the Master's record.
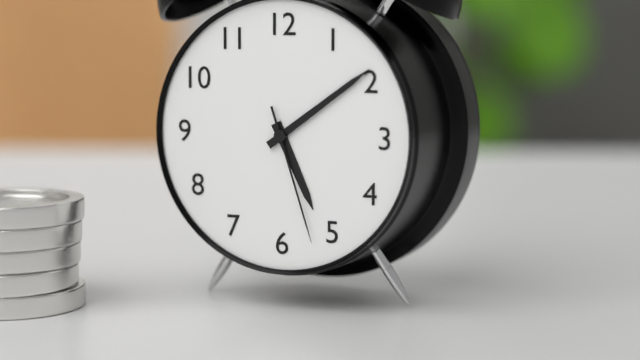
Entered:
5 h 09 min 27 s
